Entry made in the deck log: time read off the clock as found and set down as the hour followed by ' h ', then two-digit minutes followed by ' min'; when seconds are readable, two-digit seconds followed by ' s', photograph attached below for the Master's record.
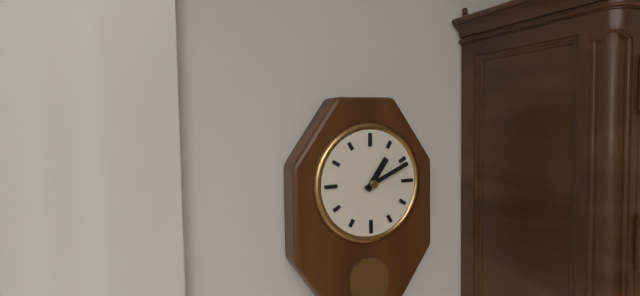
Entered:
1 h 11 min
